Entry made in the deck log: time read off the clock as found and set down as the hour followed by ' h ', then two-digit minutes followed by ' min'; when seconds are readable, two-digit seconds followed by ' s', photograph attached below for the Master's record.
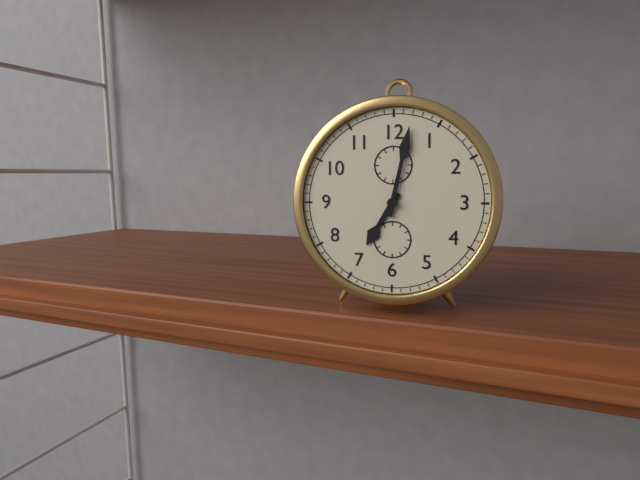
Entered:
7 h 02 min
